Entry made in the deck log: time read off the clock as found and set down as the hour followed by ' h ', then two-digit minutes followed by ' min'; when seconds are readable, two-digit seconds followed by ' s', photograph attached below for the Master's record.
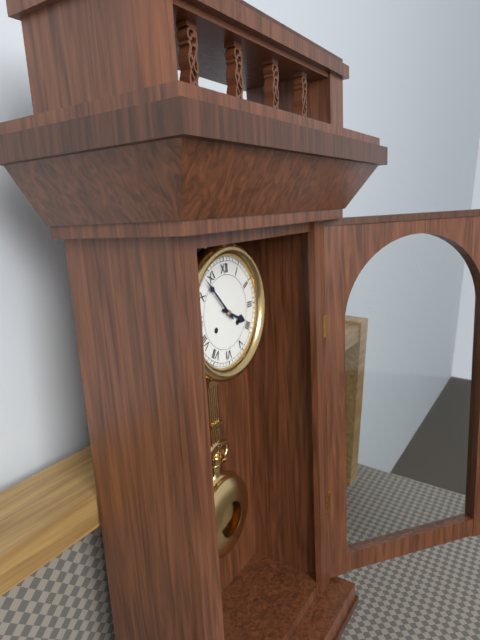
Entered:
3 h 53 min
